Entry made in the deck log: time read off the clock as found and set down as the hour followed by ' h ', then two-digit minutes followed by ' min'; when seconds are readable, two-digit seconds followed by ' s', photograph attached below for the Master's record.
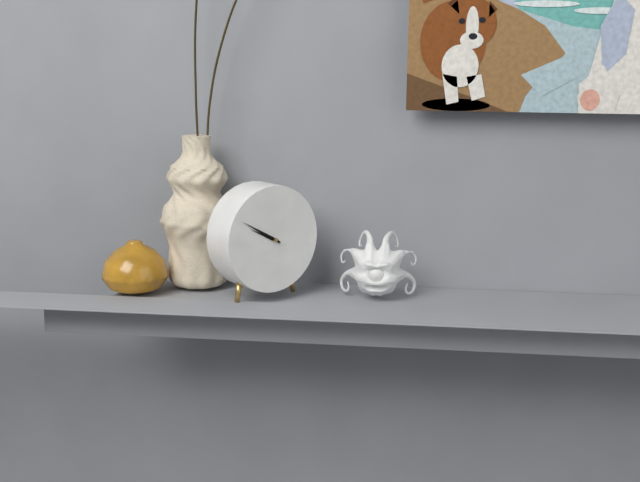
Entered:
9 h 50 min
